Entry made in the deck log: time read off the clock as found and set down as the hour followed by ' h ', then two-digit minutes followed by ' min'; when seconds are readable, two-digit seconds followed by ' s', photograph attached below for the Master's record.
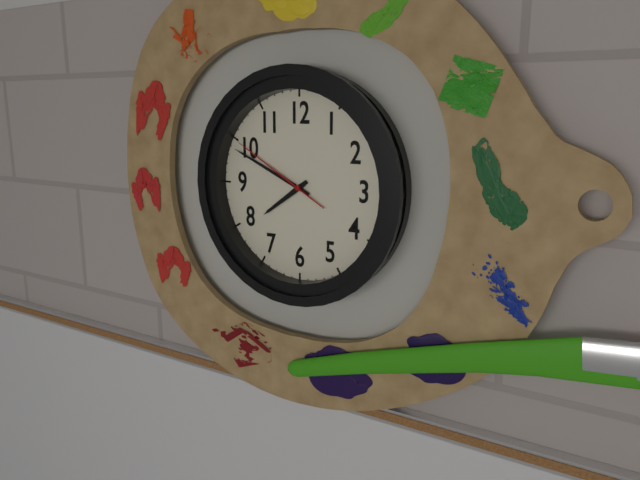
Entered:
7 h 49 min 50 s
